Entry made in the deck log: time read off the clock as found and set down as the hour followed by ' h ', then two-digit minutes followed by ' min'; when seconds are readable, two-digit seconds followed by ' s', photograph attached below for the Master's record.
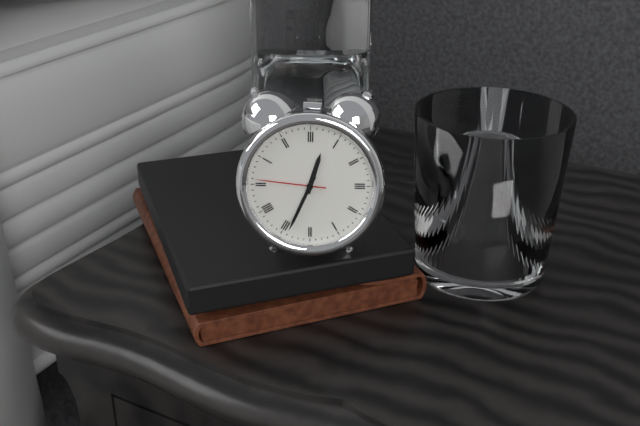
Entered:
12 h 34 min 46 s
